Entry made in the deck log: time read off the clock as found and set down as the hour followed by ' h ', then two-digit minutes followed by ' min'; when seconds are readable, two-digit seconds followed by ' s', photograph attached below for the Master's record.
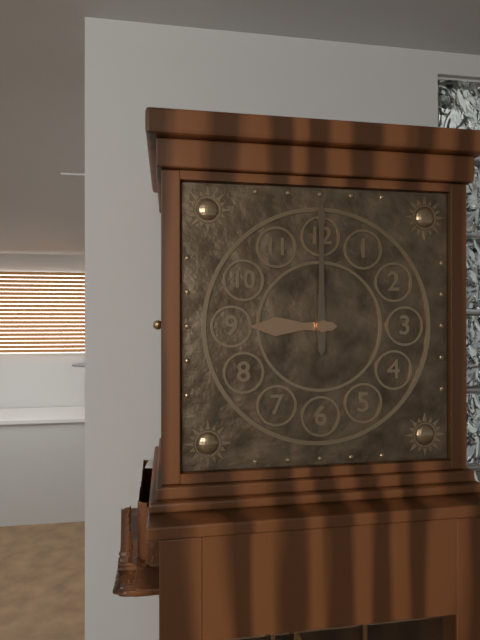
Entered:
9 h 00 min
